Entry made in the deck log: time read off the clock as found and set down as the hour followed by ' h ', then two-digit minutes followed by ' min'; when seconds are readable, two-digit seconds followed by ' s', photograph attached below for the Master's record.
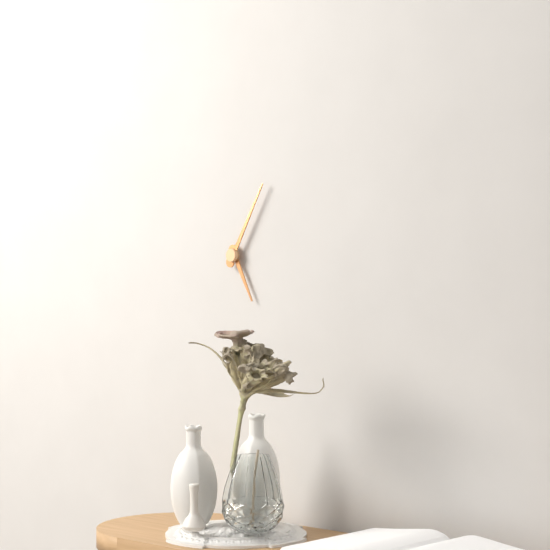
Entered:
5 h 05 min
